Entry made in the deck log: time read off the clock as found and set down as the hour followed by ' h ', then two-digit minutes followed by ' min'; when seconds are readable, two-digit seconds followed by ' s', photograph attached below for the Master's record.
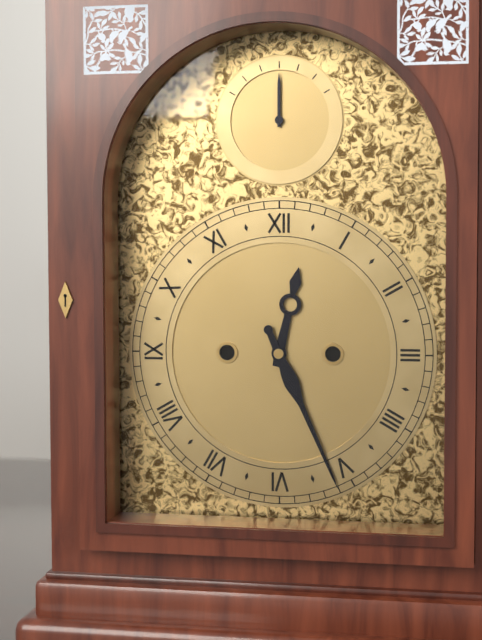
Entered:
12 h 26 min
